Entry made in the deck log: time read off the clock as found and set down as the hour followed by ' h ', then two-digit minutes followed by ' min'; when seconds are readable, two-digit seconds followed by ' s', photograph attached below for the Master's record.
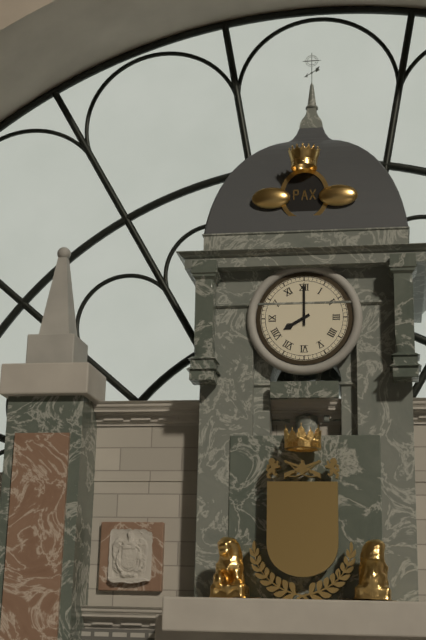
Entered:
8 h 00 min
